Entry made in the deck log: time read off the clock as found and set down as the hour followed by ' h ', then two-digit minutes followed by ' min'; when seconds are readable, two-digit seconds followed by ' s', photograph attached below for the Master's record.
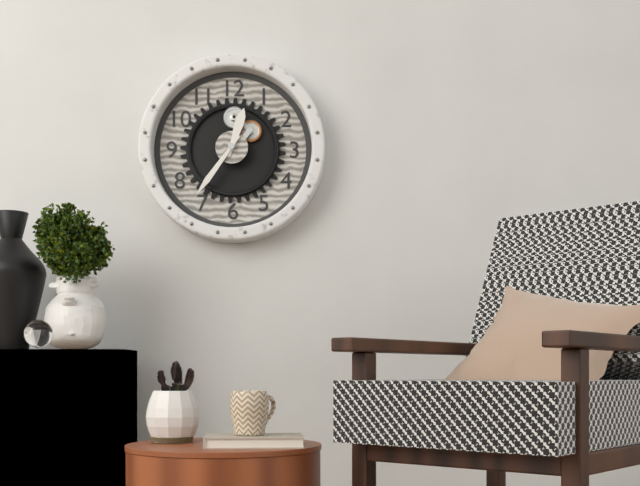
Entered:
12 h 36 min
